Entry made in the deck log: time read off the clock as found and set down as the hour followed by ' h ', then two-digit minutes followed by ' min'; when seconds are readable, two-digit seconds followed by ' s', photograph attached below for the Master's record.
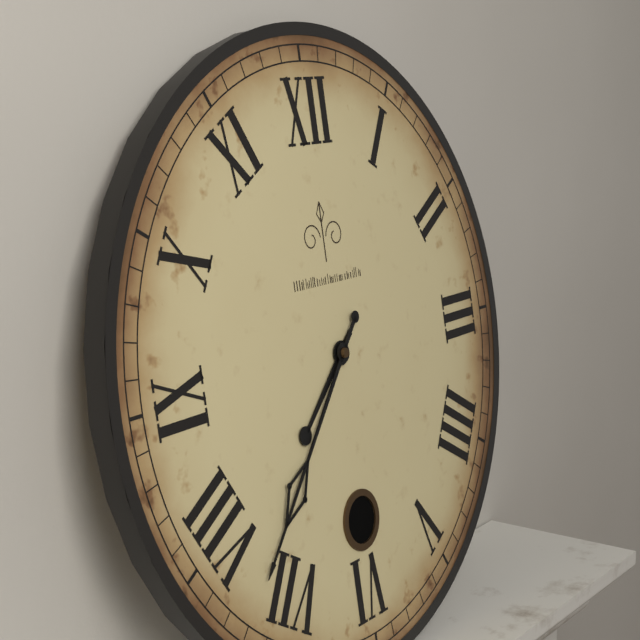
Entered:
7 h 37 min
